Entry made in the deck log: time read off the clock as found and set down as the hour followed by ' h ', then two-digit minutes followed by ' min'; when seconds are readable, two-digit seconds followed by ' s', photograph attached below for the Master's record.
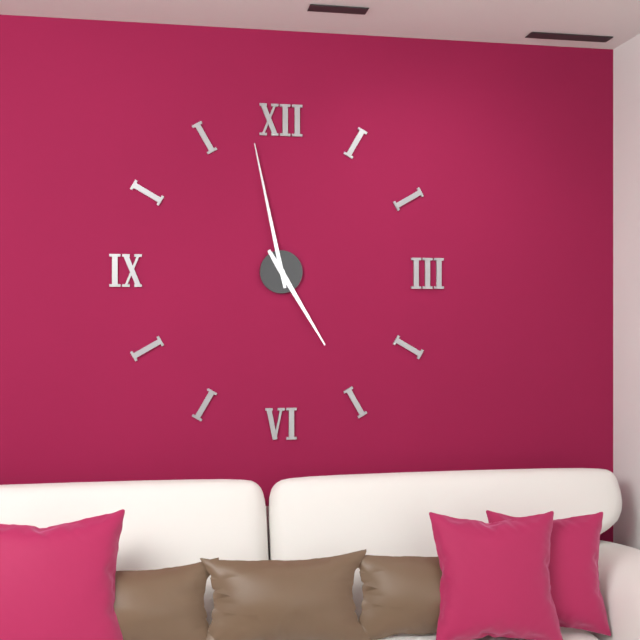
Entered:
4 h 58 min
